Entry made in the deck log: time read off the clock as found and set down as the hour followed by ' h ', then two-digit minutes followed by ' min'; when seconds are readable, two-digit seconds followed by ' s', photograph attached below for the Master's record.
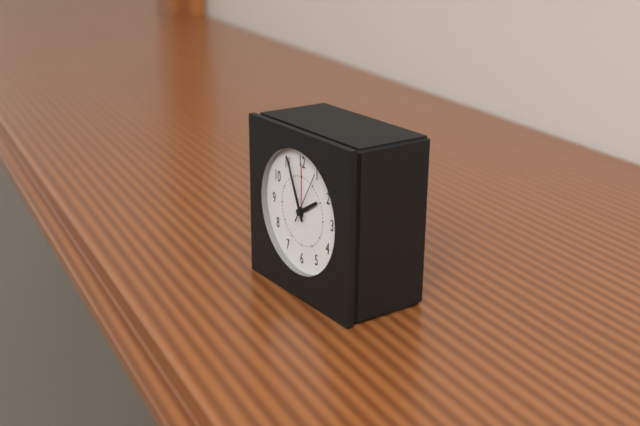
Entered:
1 h 56 min 05 s
